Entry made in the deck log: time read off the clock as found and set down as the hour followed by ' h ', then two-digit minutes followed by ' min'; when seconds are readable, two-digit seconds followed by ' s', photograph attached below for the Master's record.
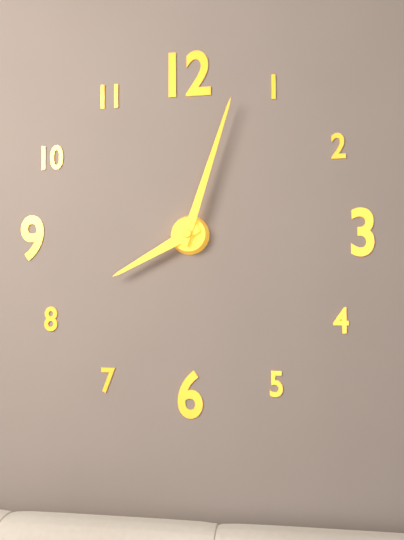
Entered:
8 h 03 min
